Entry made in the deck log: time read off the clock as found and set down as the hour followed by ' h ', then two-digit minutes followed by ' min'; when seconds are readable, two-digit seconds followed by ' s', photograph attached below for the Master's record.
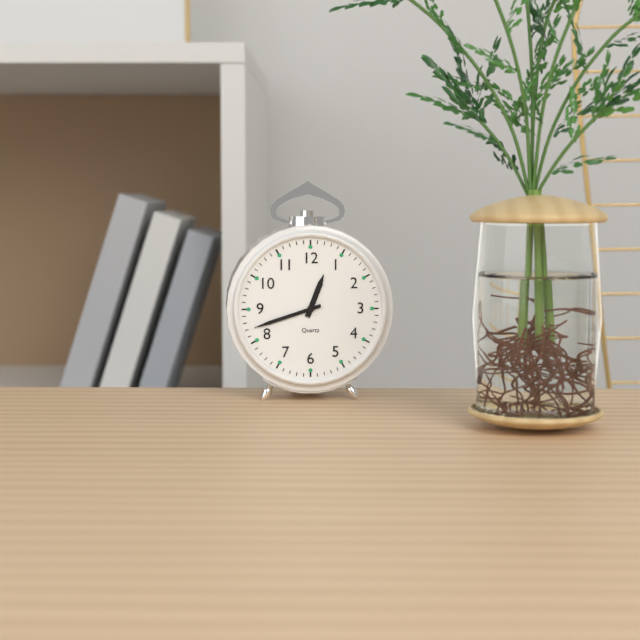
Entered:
12 h 42 min
